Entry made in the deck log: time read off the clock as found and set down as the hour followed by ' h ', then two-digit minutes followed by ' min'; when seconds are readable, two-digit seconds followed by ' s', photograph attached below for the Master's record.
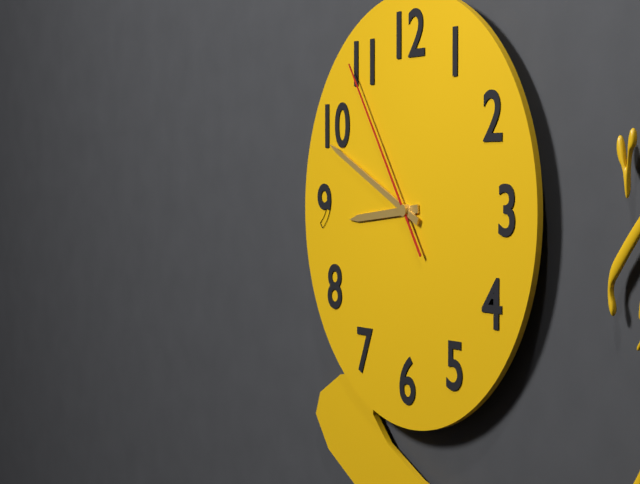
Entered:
8 h 49 min 54 s
